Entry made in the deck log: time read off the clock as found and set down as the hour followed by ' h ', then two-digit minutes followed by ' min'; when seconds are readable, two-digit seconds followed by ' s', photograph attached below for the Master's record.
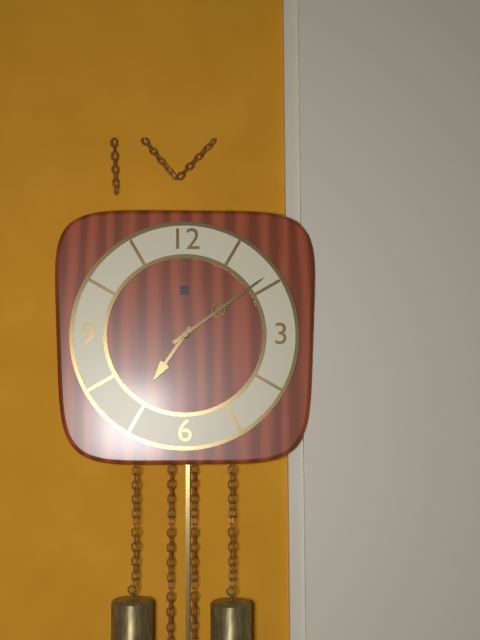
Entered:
7 h 09 min
